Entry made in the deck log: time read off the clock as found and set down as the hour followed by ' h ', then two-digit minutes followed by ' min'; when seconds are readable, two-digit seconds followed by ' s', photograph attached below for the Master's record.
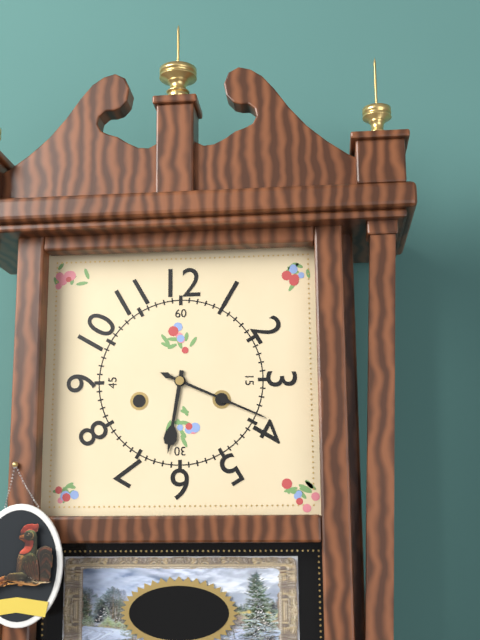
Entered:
6 h 19 min
